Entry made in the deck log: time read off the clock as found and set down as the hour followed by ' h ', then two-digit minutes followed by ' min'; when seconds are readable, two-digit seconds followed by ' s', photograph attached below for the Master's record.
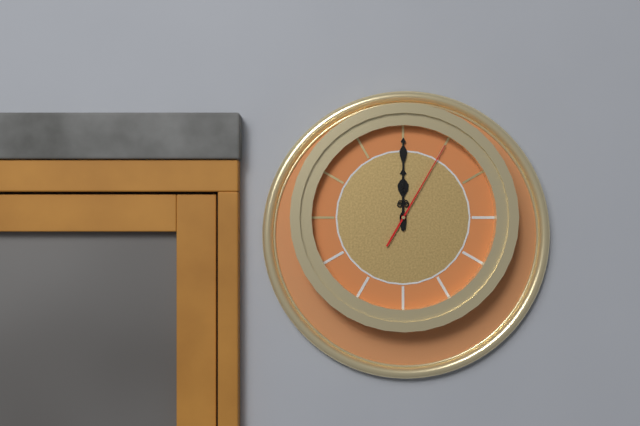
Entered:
12 h 00 min 05 s
